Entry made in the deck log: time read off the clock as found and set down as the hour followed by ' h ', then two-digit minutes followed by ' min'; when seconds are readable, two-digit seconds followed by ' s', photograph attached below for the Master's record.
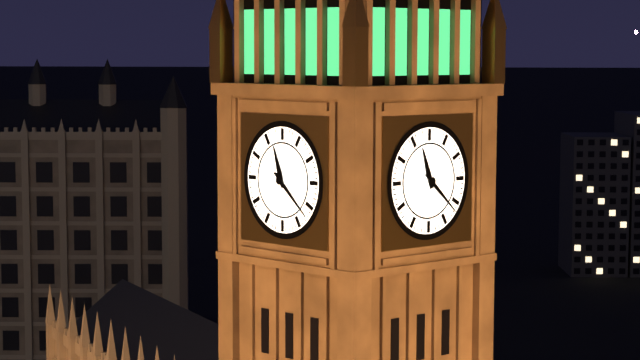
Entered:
11 h 22 min
